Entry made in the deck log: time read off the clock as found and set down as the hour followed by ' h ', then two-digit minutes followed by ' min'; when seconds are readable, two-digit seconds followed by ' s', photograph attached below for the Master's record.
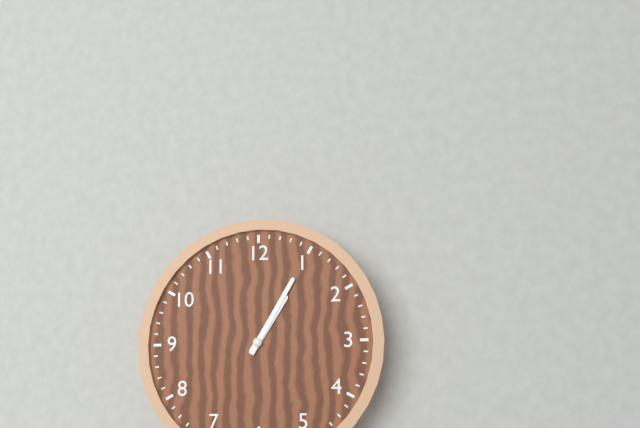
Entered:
1 h 05 min
